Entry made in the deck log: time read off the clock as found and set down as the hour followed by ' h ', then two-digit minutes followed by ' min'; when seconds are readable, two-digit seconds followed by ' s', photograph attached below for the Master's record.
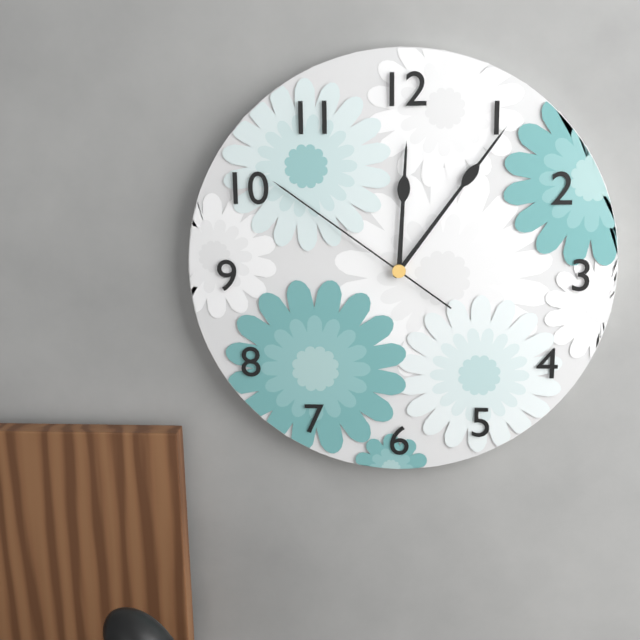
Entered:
12 h 06 min 51 s
